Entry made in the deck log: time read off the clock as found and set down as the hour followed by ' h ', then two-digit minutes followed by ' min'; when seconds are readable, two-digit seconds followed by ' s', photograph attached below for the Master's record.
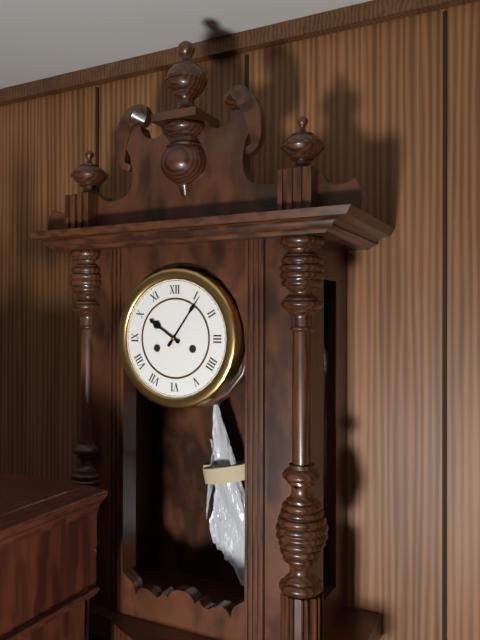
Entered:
10 h 06 min
